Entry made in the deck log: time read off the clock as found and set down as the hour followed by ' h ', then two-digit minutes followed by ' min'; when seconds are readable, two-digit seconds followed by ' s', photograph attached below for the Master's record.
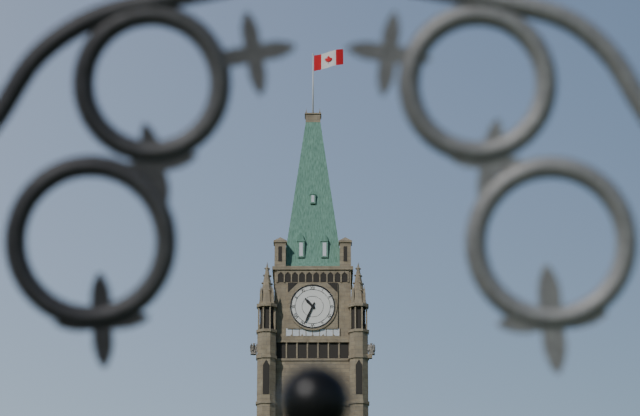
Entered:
10 h 34 min
